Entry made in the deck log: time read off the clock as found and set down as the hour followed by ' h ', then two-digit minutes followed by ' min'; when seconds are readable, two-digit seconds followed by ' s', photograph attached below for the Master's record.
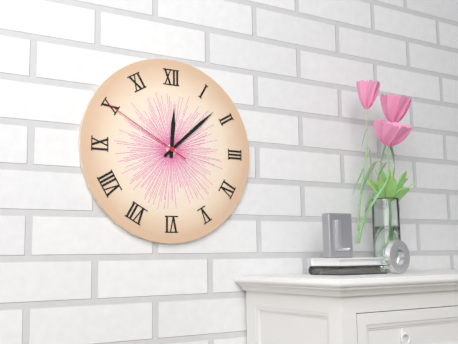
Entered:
12 h 08 min 50 s
